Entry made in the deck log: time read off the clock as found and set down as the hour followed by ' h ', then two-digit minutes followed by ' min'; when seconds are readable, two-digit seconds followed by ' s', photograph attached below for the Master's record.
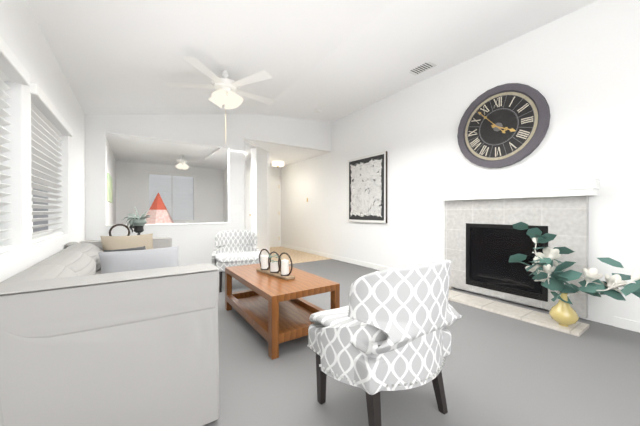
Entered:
3 h 53 min
